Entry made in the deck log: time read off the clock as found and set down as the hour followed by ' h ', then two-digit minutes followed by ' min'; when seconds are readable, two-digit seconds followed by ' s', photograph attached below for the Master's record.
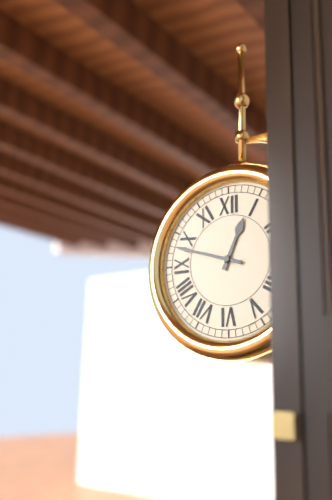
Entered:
12 h 48 min
